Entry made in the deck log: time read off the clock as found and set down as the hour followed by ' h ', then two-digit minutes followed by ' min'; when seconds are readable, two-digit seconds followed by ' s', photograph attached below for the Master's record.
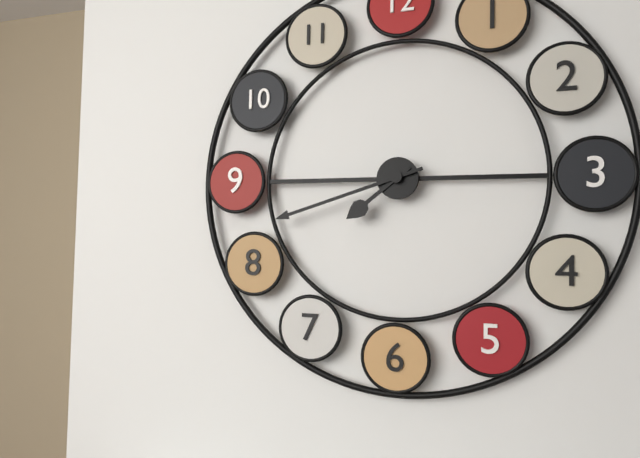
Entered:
7 h 42 min
